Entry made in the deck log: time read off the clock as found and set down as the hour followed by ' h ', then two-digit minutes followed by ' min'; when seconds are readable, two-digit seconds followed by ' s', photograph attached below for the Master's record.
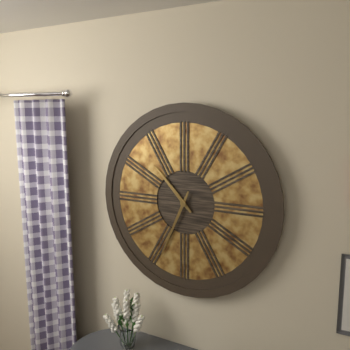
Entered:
10 h 34 min
